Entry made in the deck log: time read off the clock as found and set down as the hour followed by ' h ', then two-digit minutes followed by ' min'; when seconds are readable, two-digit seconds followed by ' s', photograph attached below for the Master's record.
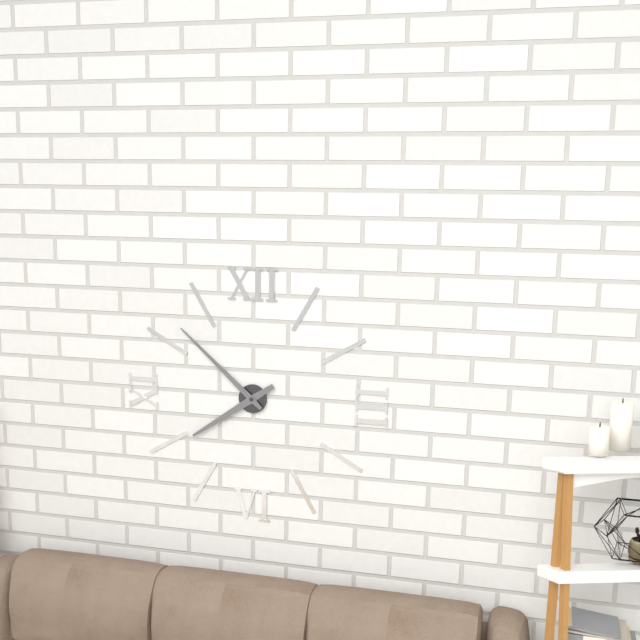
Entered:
7 h 52 min
